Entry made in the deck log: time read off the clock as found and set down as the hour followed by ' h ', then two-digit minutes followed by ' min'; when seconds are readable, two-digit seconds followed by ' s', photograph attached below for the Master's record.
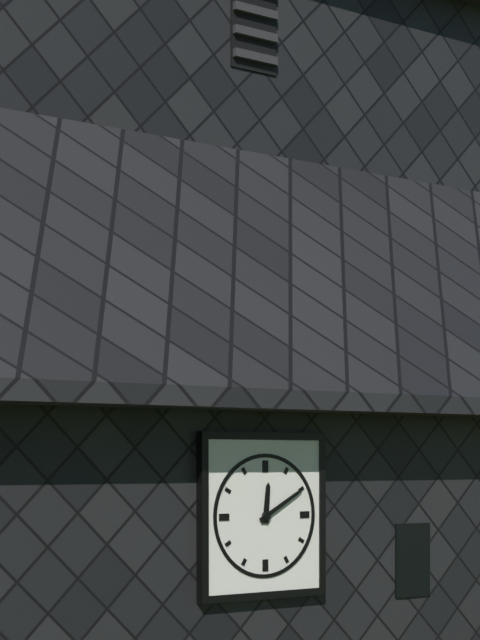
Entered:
12 h 10 min
